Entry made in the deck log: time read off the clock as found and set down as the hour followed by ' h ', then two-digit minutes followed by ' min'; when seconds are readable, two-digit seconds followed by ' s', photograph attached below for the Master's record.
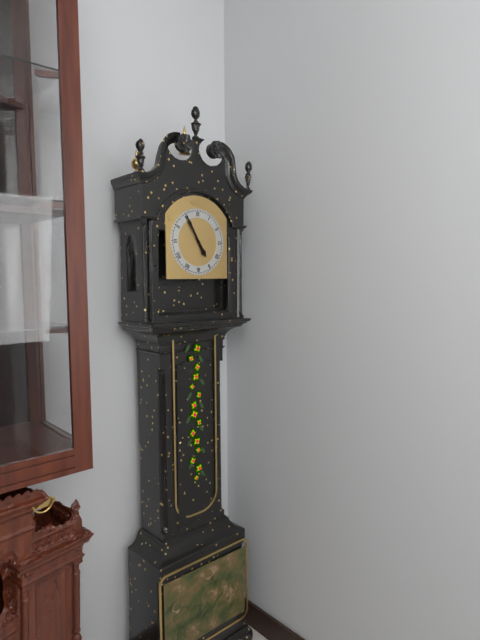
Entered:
4 h 55 min
